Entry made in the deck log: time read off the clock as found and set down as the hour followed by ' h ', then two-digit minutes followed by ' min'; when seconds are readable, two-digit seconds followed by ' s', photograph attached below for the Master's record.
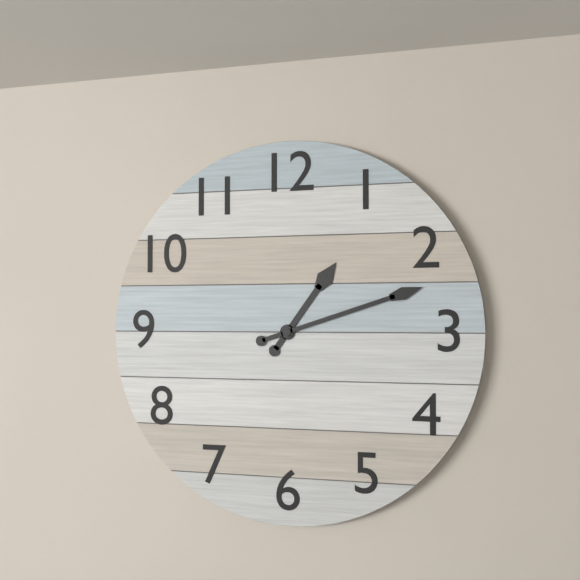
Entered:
1 h 12 min
